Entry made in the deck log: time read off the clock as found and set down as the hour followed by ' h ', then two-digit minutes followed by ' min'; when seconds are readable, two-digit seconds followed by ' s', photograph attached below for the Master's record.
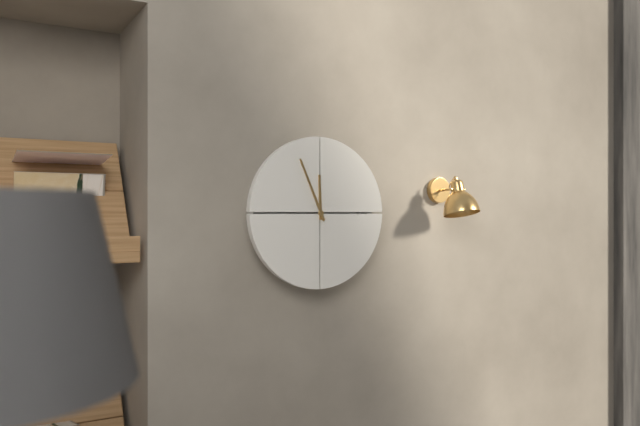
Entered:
11 h 56 min
